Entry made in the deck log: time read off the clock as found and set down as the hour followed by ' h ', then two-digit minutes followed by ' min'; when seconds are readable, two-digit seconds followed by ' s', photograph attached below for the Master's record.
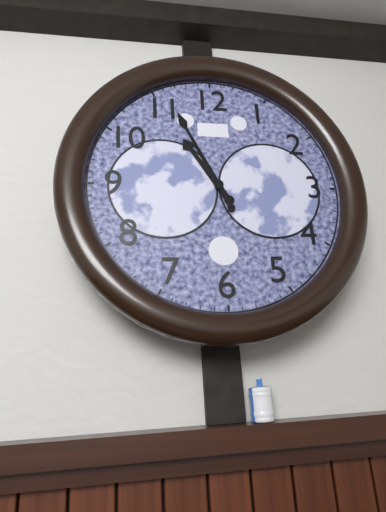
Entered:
10 h 56 min
